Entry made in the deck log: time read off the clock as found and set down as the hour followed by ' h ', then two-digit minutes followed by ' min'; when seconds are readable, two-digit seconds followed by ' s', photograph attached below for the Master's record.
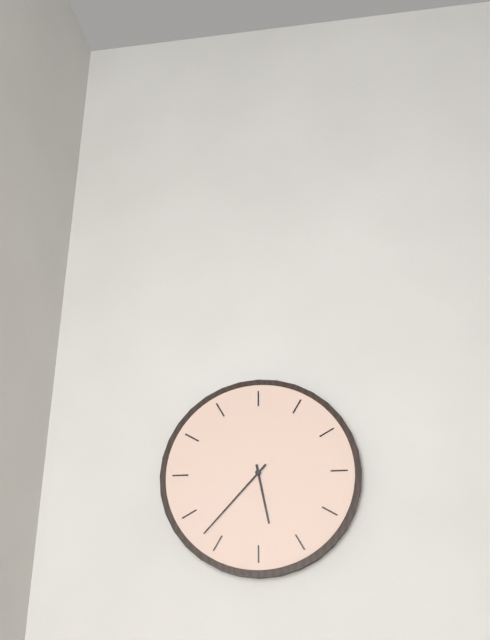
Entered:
5 h 37 min
